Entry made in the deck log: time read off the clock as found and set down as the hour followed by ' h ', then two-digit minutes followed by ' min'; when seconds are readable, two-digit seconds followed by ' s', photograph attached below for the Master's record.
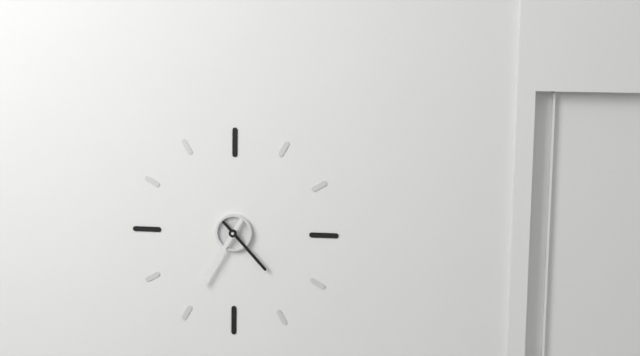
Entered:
4 h 35 min
